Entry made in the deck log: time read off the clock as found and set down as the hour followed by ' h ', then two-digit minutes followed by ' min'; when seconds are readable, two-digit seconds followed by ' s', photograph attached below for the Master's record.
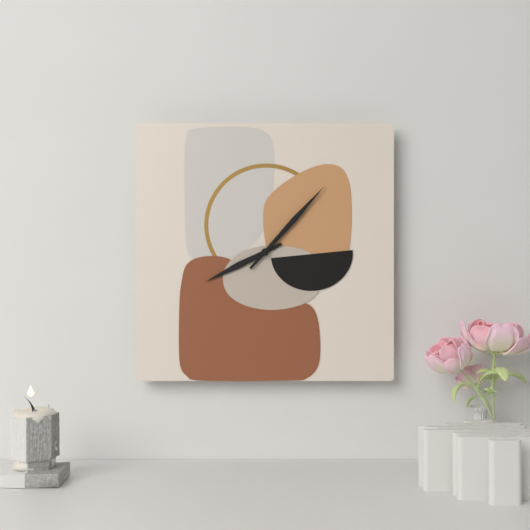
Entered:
8 h 07 min
